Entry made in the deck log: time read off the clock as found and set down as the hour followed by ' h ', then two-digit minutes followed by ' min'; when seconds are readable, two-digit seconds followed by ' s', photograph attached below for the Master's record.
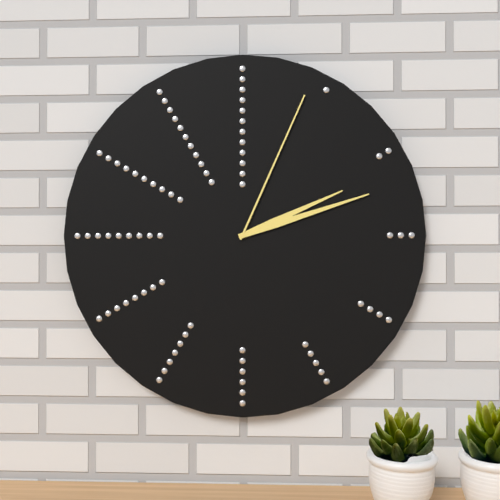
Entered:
2 h 12 min 04 s
